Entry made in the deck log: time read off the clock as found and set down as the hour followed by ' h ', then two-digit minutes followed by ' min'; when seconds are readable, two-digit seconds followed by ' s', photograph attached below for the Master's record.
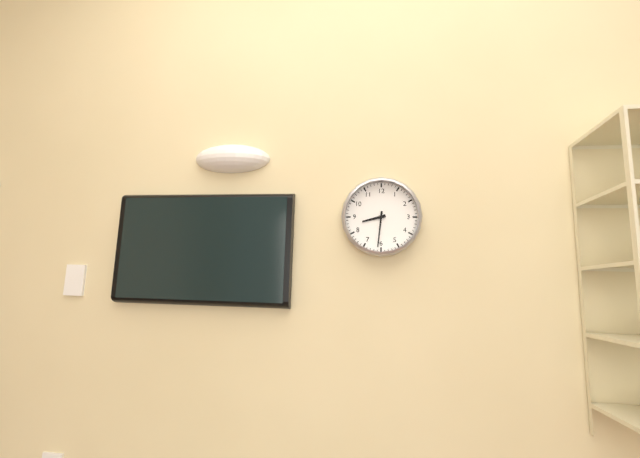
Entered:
8 h 31 min
